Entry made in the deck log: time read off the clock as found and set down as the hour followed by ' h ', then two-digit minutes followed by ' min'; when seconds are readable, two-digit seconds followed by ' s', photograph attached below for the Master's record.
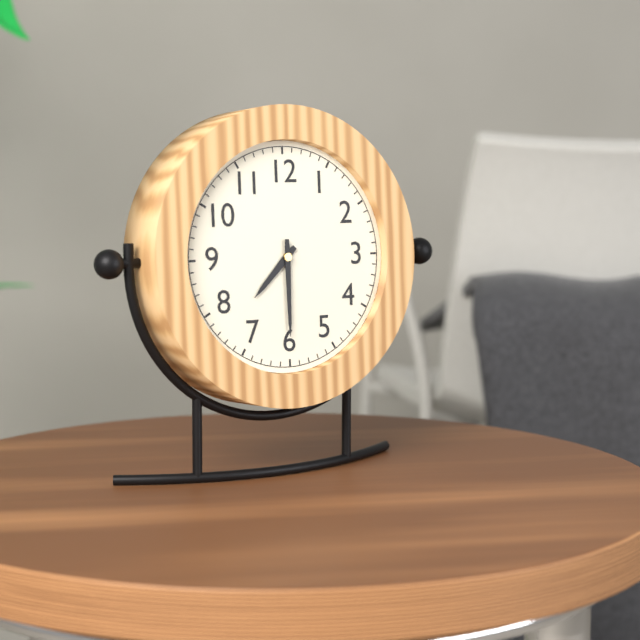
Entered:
7 h 30 min
